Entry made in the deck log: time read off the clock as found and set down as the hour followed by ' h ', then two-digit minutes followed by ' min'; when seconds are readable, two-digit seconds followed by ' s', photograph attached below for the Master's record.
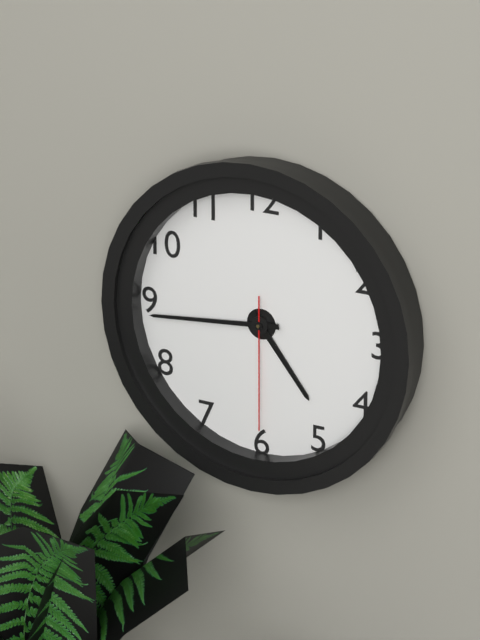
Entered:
4 h 44 min 30 s
